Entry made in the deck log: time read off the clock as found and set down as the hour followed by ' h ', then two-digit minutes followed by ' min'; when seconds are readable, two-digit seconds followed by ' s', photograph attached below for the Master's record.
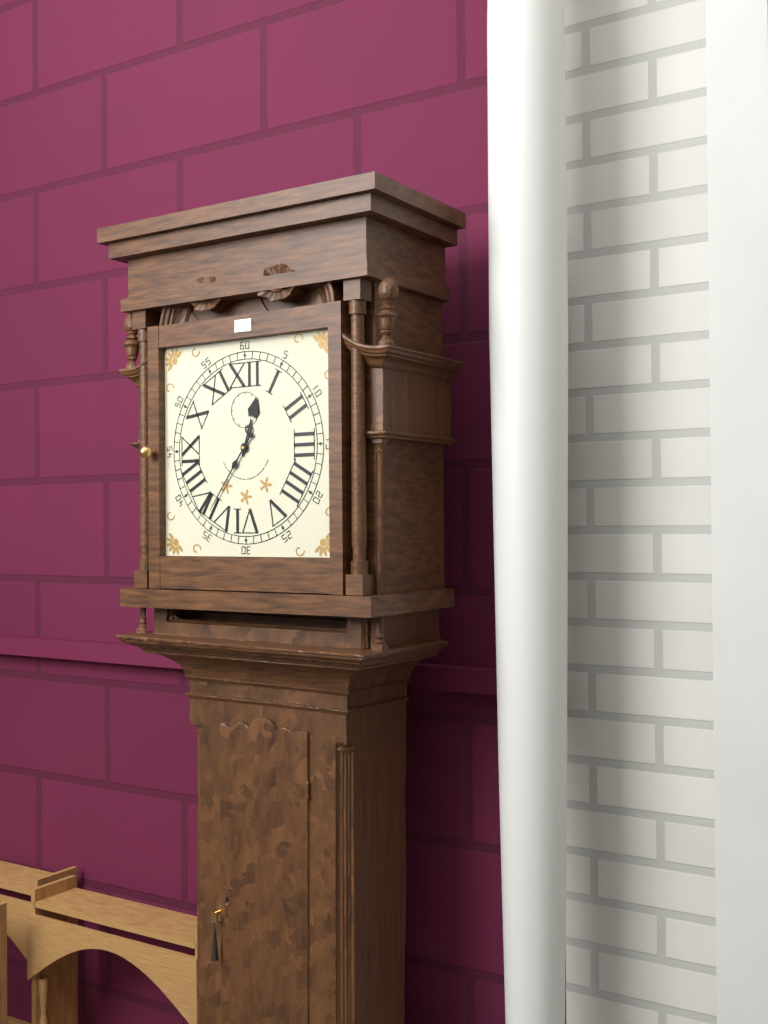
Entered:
12 h 36 min
